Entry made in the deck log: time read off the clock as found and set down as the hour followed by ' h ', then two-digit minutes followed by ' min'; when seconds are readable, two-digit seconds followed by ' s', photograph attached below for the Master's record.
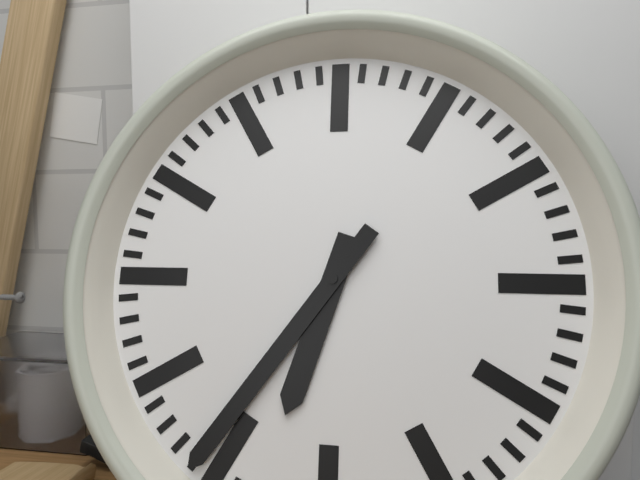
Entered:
6 h 36 min
